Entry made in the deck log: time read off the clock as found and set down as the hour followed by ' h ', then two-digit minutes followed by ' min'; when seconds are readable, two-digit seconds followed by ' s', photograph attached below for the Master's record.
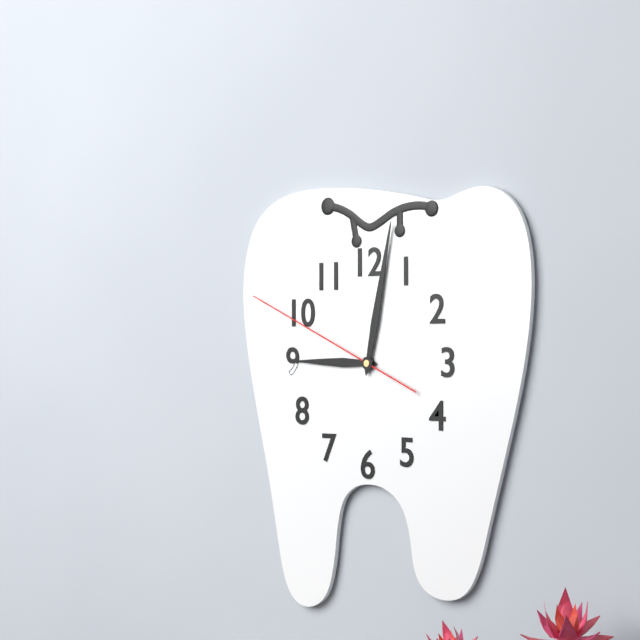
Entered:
9 h 02 min 49 s
